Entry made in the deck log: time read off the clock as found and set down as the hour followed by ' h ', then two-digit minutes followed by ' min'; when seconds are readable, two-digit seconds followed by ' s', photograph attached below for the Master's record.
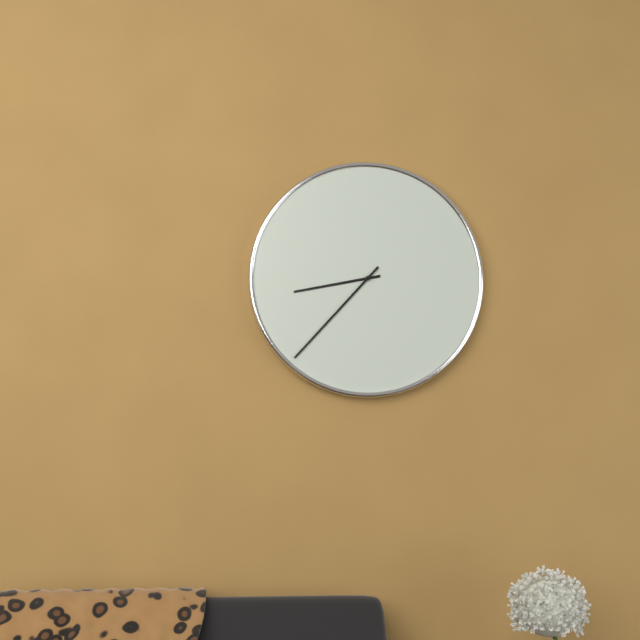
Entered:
8 h 37 min
